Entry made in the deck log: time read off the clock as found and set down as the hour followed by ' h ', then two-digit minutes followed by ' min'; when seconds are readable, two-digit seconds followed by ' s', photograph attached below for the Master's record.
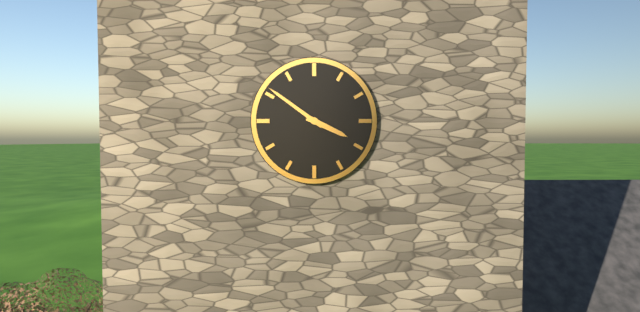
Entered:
3 h 51 min
